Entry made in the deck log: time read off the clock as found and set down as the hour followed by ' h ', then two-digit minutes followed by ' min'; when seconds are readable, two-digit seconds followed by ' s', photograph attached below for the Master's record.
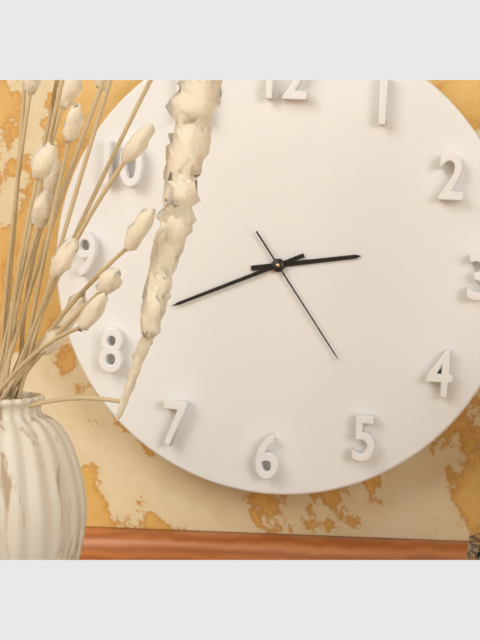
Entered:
2 h 41 min 24 s
